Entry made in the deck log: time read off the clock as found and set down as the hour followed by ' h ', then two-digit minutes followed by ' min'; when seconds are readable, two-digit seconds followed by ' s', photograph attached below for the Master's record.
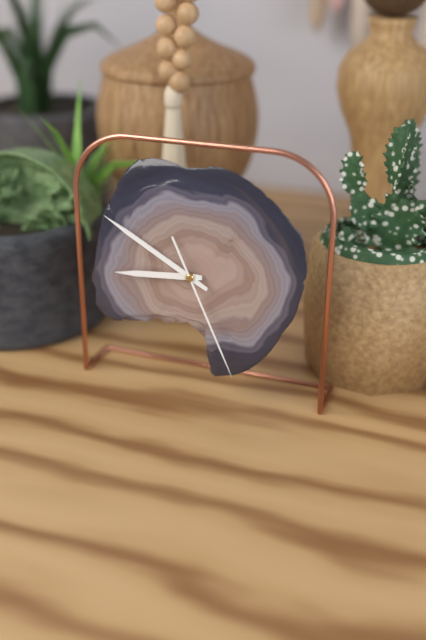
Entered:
8 h 50 min 26 s
